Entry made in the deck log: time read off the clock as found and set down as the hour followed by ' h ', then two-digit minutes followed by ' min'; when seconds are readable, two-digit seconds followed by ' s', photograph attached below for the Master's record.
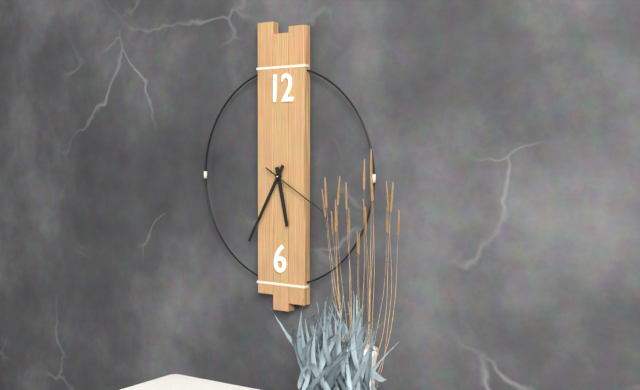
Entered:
5 h 35 min 20 s
